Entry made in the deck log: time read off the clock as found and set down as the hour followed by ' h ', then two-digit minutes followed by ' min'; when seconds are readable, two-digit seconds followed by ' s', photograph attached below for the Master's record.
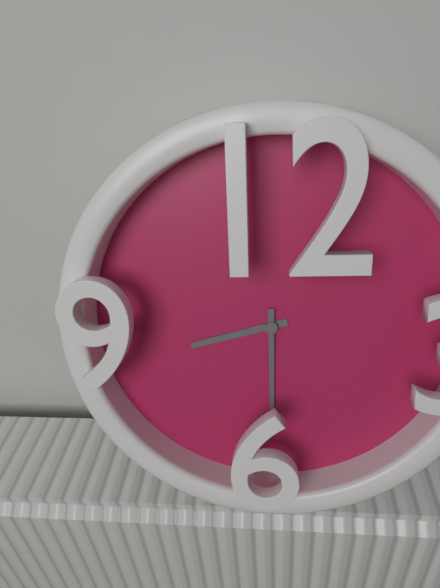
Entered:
8 h 30 min
